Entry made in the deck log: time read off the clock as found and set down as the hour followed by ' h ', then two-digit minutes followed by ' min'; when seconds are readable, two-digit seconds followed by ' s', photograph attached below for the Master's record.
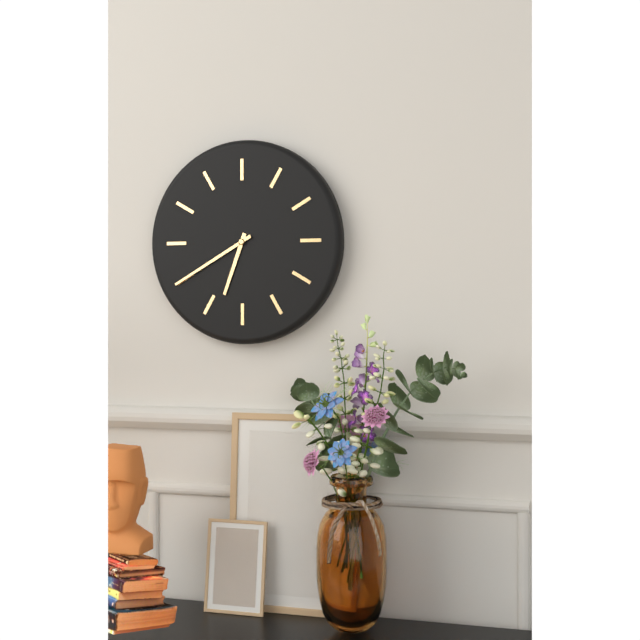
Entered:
6 h 40 min
